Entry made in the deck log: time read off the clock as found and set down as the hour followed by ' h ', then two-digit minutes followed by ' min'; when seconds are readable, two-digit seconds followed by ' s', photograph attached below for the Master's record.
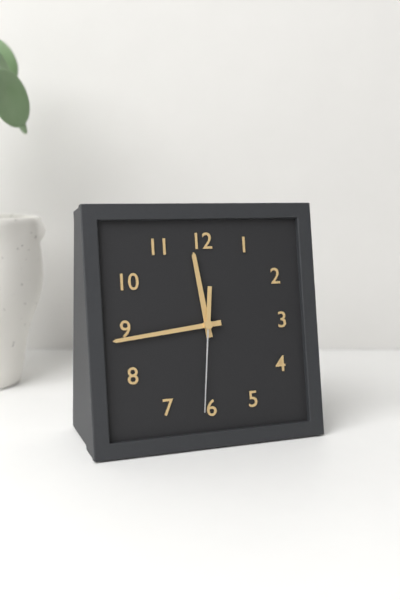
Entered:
11 h 44 min 31 s
